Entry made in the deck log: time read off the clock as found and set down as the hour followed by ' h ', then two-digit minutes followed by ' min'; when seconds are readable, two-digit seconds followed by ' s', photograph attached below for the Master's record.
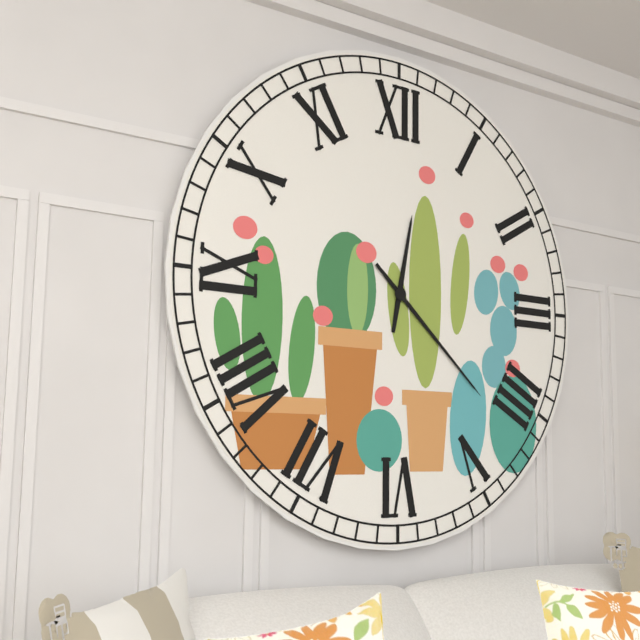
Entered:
12 h 22 min
